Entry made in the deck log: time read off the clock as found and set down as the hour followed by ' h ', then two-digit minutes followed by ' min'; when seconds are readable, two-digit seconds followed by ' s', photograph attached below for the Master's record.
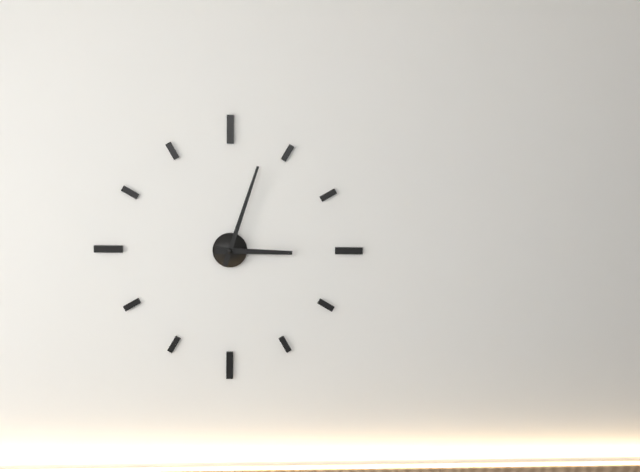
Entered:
3 h 03 min
